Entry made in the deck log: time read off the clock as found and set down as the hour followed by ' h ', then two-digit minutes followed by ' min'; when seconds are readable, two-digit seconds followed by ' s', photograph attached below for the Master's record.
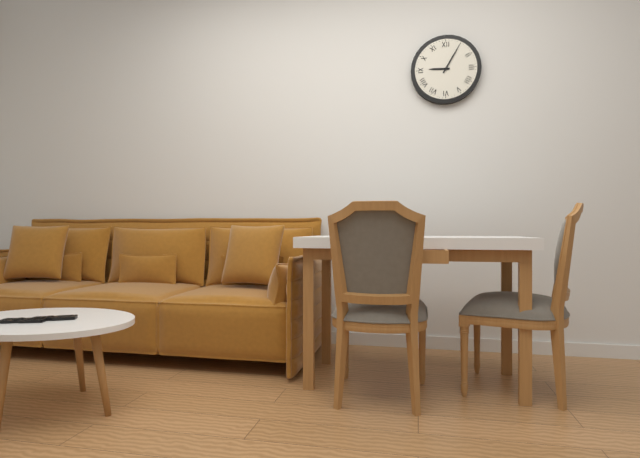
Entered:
9 h 05 min
